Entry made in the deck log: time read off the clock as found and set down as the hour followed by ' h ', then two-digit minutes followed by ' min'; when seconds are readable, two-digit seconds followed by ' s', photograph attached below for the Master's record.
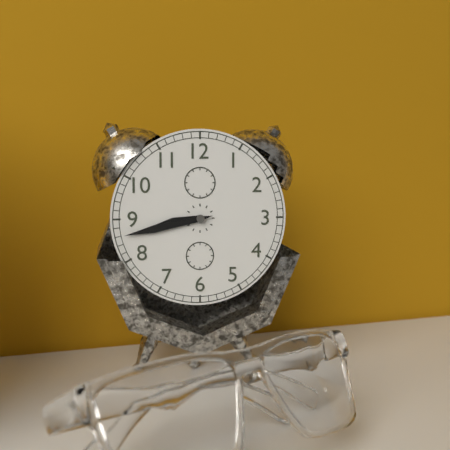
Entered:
8 h 43 min
